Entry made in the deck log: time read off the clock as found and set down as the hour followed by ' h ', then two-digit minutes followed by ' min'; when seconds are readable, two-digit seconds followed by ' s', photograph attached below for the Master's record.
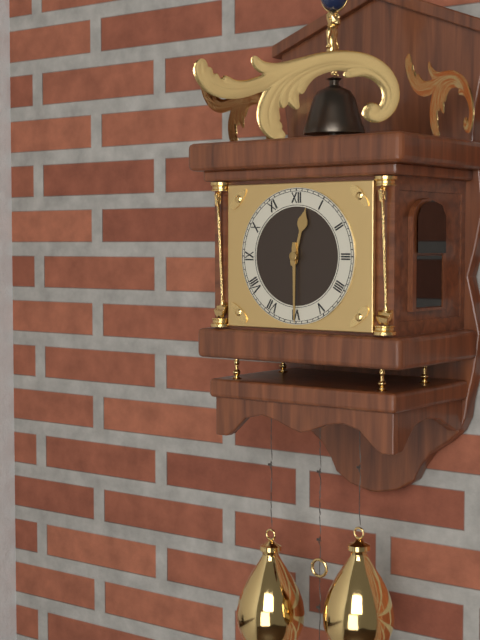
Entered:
12 h 30 min
